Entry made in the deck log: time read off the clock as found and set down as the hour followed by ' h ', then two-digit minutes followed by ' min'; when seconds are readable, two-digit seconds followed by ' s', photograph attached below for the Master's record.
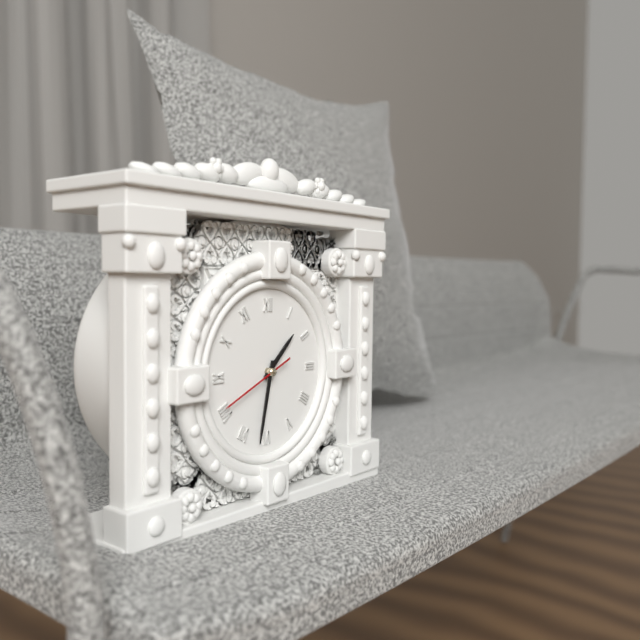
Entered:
1 h 32 min 41 s
